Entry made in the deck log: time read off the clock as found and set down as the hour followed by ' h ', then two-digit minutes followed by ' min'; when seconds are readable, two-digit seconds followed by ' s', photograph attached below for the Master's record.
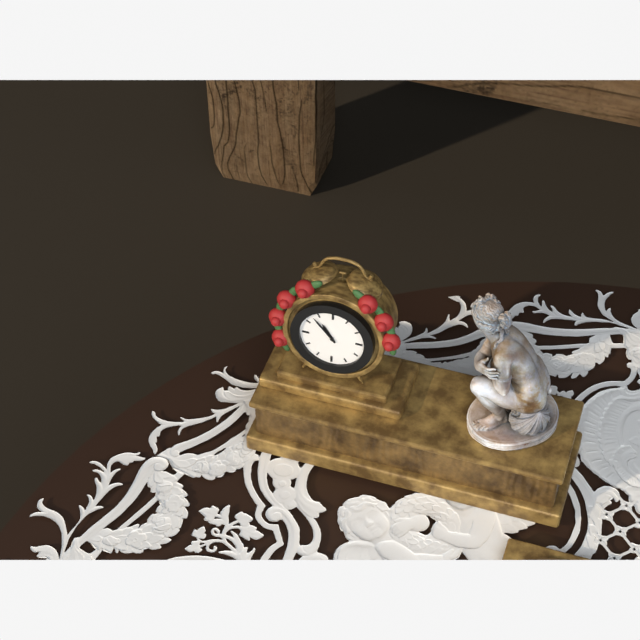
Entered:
10 h 53 min
